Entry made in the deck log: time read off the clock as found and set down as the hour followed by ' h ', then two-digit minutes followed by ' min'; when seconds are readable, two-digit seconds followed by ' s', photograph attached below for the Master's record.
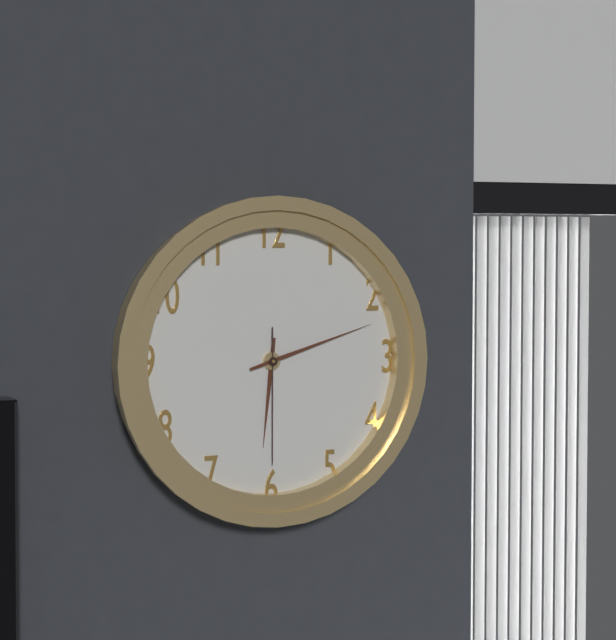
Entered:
6 h 12 min 30 s
